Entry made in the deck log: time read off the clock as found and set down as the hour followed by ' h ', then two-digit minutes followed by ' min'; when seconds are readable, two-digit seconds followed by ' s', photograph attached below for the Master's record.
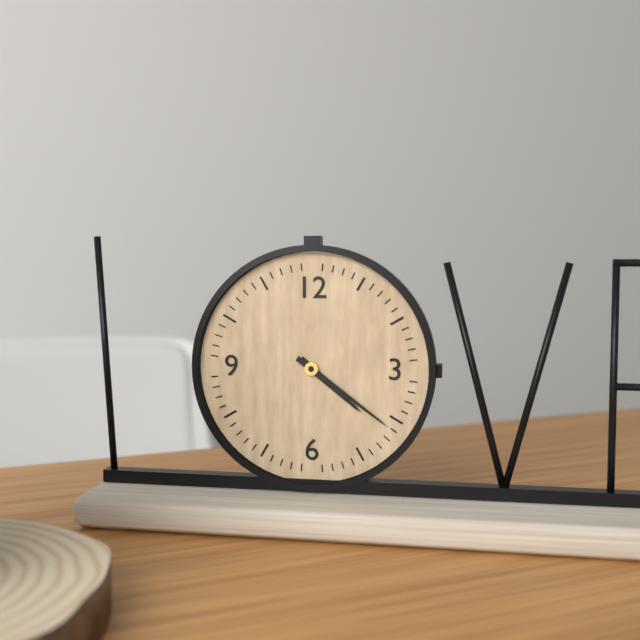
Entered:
4 h 21 min
